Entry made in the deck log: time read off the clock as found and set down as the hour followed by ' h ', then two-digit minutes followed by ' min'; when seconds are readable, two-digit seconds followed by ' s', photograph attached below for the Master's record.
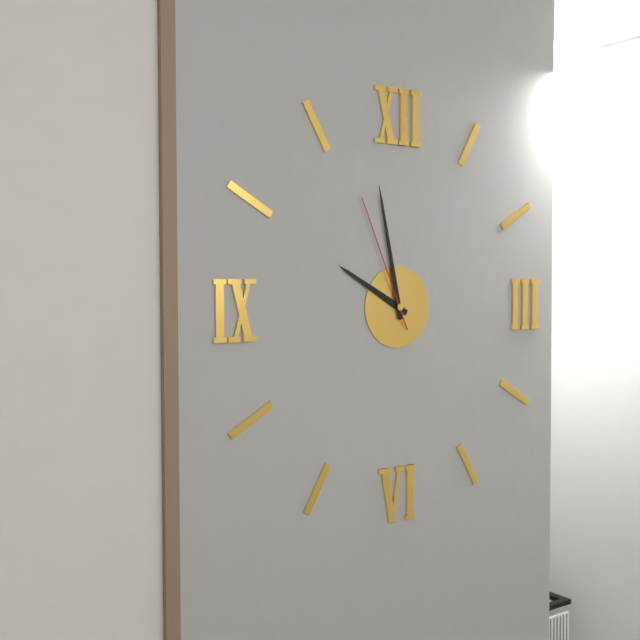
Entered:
9 h 58 min 56 s
